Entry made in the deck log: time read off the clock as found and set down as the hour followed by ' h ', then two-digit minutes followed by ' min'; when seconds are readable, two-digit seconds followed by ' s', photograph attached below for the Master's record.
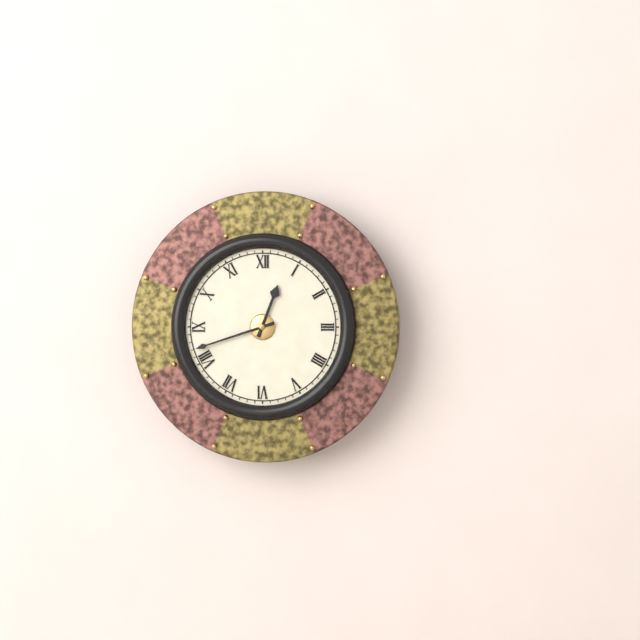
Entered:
12 h 42 min
